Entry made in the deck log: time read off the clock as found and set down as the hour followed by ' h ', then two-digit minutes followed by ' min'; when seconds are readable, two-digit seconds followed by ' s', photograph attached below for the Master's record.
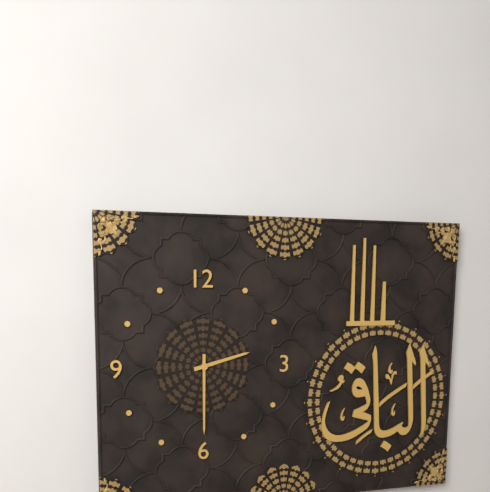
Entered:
2 h 30 min
